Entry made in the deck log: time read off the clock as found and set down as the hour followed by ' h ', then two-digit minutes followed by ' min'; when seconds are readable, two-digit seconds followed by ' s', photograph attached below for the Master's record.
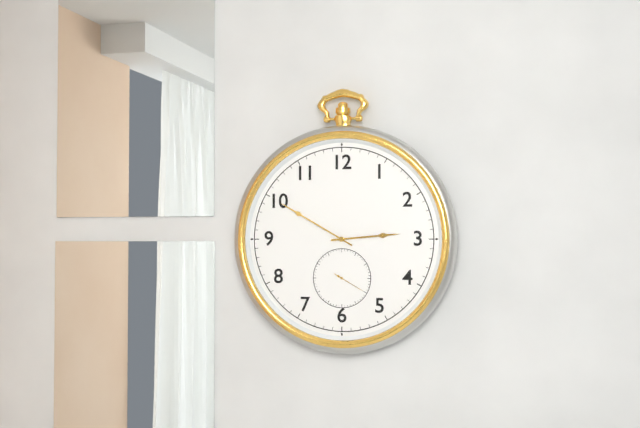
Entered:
2 h 50 min
